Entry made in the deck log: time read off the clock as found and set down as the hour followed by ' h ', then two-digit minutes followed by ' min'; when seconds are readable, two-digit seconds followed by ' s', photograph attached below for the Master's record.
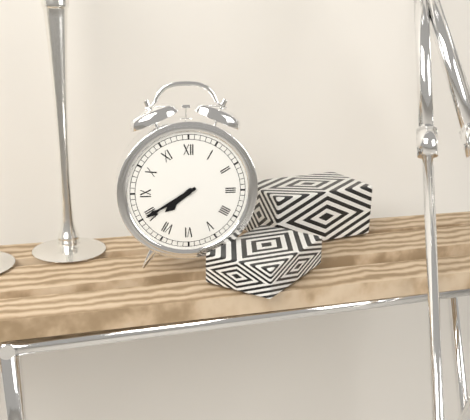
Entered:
7 h 40 min
